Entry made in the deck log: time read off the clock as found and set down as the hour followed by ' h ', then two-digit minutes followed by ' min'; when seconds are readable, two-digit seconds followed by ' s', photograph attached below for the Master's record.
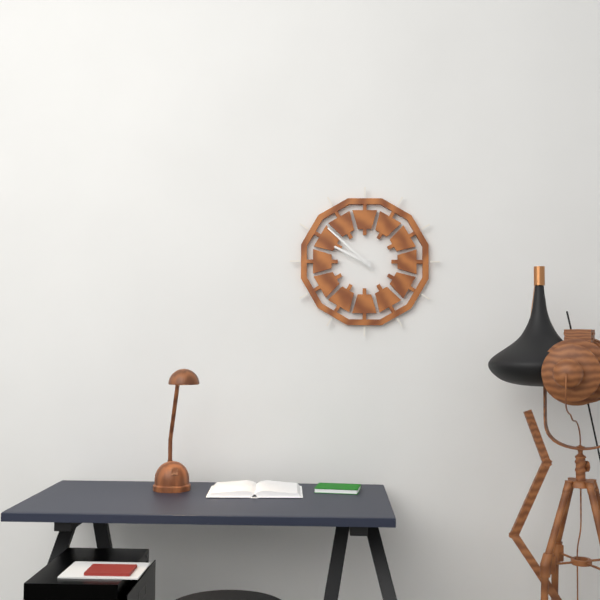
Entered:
9 h 52 min
